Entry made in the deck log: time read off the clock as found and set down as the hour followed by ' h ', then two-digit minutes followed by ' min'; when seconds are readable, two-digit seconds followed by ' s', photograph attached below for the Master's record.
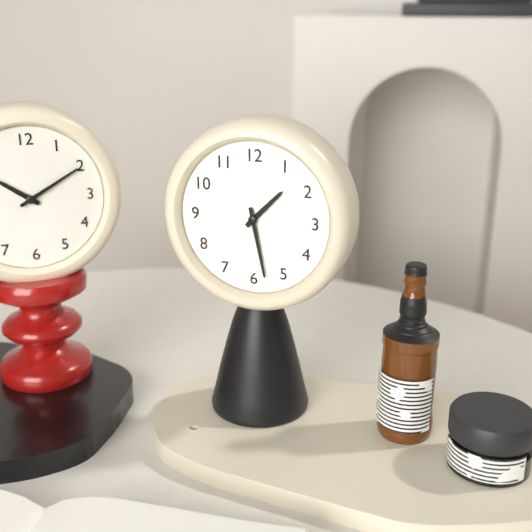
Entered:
1 h 28 min
